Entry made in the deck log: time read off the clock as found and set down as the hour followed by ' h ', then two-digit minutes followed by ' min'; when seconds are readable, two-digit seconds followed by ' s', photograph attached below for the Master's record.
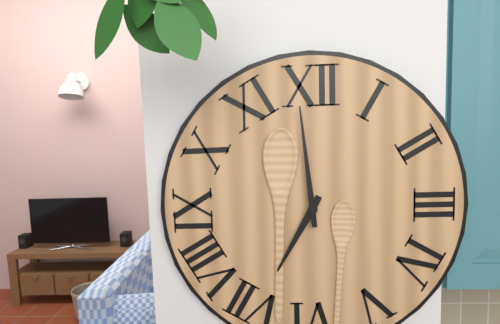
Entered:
6 h 59 min
